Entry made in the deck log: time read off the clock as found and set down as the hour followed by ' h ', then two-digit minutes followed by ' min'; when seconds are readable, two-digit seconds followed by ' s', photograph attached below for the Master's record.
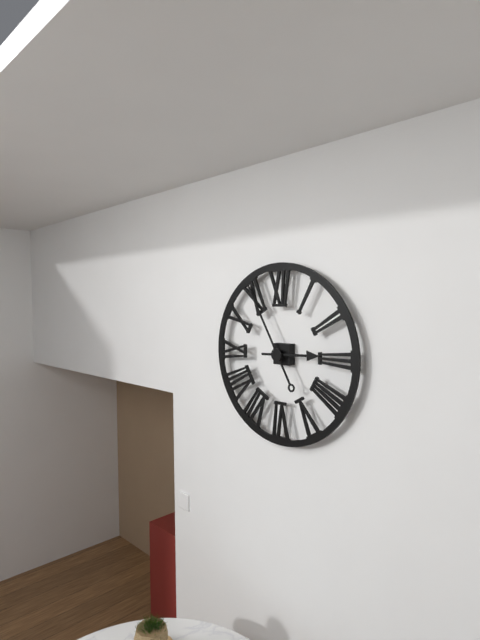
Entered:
2 h 55 min
